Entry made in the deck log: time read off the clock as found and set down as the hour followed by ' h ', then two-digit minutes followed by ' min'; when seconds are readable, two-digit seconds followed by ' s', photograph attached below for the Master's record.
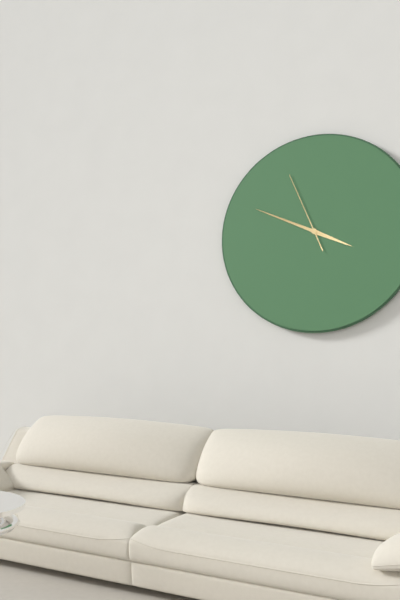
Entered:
3 h 49 min 56 s
